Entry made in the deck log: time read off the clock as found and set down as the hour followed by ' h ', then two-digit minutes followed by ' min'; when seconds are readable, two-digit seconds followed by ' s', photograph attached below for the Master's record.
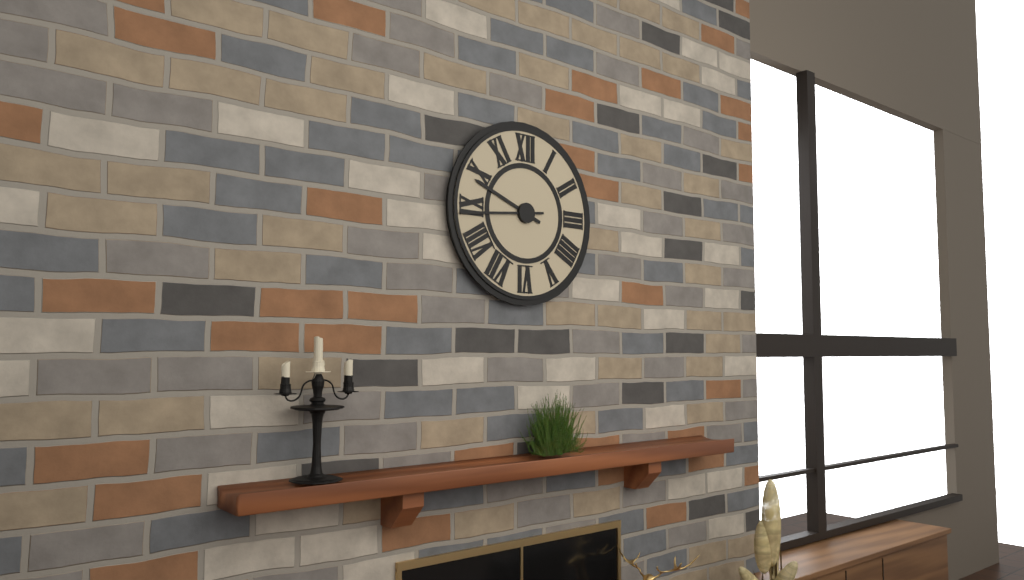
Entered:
9 h 44 min
